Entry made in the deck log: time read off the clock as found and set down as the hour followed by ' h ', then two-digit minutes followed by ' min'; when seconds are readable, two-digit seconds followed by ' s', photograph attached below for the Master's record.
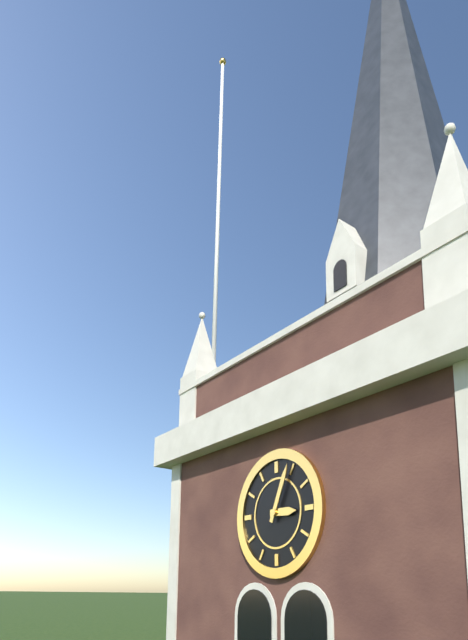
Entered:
3 h 04 min
